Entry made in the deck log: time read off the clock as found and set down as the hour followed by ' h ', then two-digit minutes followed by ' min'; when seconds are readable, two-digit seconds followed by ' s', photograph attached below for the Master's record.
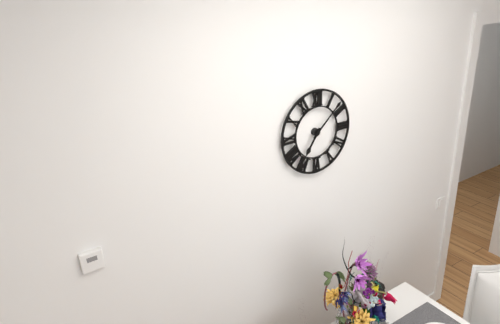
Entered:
7 h 08 min
